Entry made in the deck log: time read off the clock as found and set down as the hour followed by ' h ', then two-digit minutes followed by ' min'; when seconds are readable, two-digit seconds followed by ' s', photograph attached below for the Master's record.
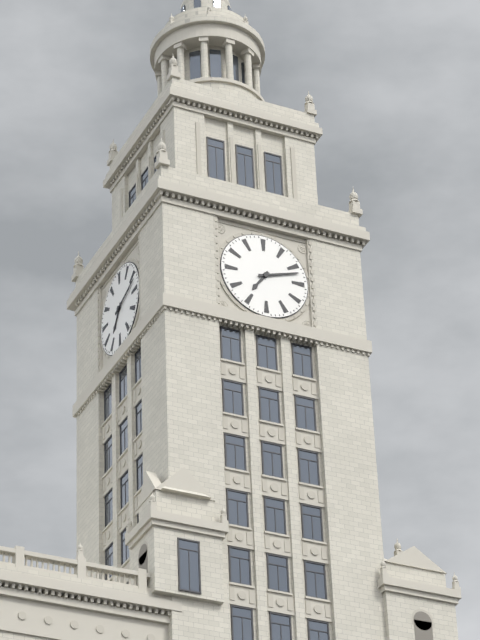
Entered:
7 h 12 min
